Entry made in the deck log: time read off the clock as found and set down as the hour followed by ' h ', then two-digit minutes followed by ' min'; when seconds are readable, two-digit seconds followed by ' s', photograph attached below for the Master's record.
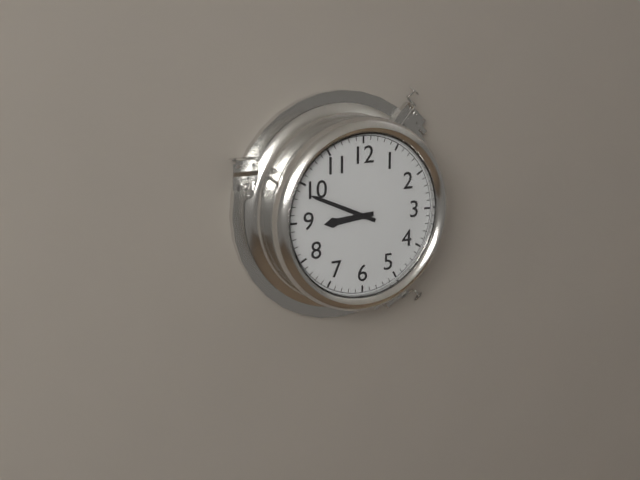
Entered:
8 h 49 min
